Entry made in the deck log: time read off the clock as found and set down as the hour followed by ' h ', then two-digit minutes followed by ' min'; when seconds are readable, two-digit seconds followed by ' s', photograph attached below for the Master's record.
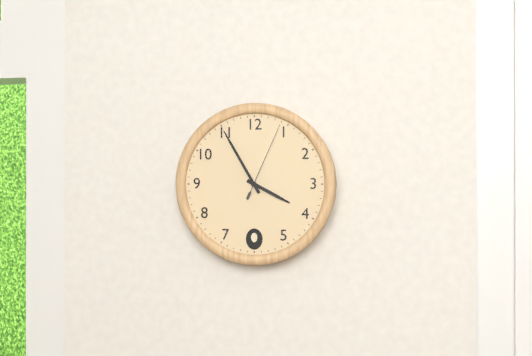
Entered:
3 h 55 min 04 s
